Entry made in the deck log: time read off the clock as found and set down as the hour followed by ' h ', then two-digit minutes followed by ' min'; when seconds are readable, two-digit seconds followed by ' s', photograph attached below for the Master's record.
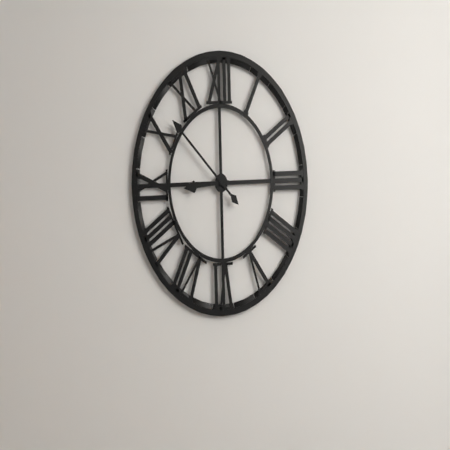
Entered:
8 h 52 min
